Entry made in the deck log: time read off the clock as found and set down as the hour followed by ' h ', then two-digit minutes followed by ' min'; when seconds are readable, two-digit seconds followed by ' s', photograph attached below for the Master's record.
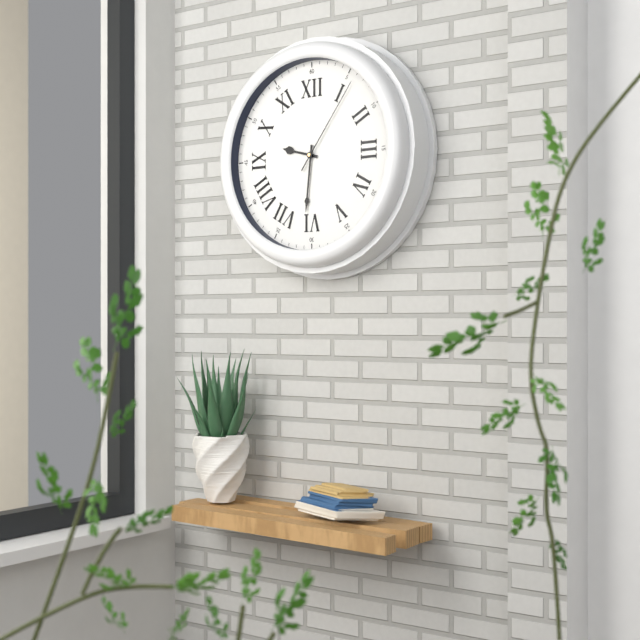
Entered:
9 h 31 min 06 s
